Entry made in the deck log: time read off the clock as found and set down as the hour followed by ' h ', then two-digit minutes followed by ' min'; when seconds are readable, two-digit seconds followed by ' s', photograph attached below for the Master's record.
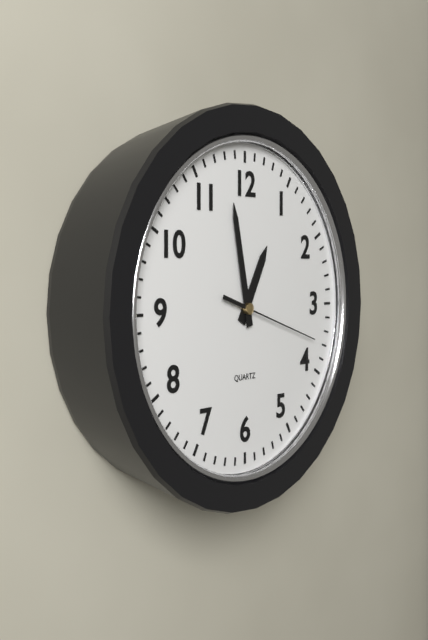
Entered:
12 h 58 min 18 s
